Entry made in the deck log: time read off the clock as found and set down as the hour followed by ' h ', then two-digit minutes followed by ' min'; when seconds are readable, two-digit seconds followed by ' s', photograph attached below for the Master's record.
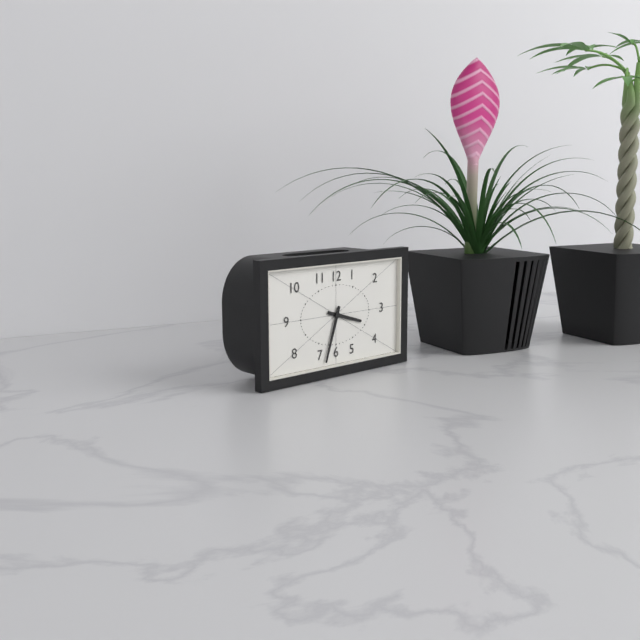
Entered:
3 h 33 min
